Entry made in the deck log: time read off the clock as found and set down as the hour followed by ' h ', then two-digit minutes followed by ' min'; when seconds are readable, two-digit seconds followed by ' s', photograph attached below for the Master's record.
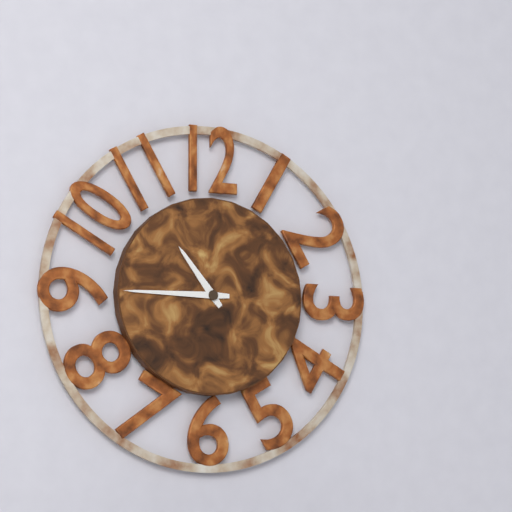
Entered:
10 h 45 min
